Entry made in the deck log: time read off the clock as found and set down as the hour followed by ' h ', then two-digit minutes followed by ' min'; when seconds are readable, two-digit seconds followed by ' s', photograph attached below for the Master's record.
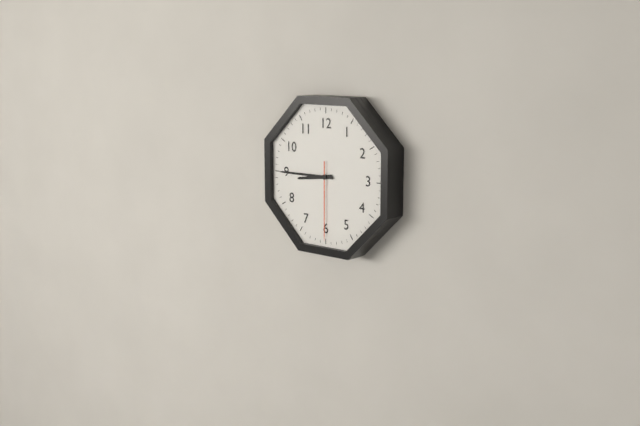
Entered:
8 h 45 min 30 s
